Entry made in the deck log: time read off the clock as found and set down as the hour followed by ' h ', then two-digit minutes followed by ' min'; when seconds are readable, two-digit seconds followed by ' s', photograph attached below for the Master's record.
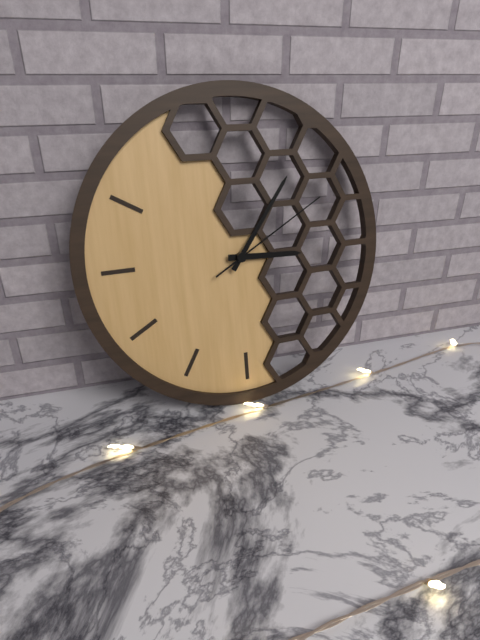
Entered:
3 h 06 min 10 s
